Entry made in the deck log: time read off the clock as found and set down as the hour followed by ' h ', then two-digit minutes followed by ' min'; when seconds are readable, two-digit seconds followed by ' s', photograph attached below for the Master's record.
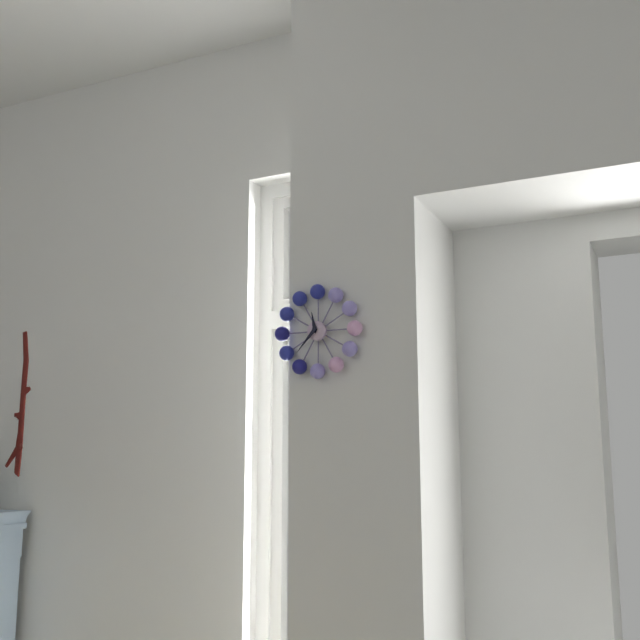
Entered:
11 h 37 min
